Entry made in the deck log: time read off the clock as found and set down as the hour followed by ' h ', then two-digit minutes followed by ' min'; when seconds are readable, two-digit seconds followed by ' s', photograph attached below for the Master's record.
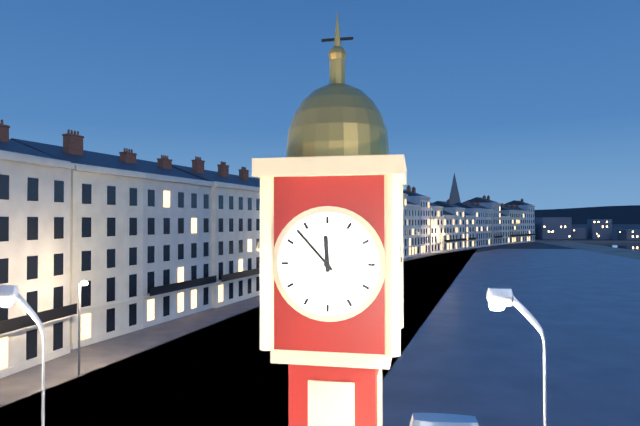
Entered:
11 h 53 min
